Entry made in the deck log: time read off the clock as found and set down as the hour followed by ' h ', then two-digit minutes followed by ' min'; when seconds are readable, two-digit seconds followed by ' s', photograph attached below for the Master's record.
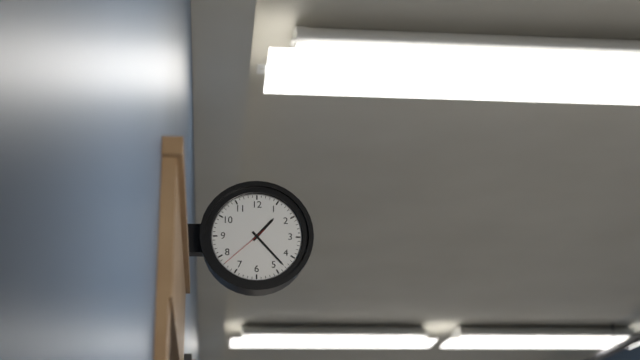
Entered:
1 h 23 min 38 s
